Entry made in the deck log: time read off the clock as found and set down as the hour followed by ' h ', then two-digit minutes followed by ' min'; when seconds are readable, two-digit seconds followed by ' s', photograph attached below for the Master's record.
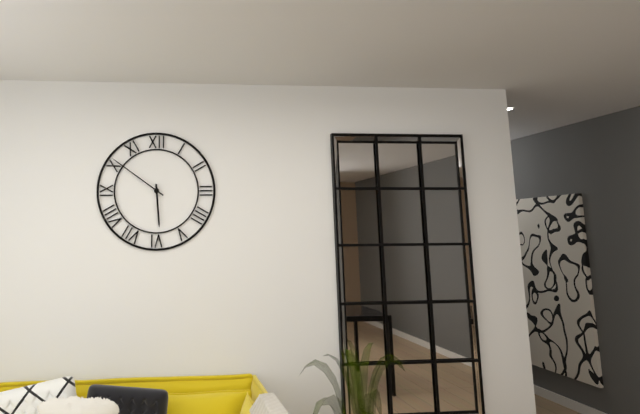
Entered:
5 h 51 min
